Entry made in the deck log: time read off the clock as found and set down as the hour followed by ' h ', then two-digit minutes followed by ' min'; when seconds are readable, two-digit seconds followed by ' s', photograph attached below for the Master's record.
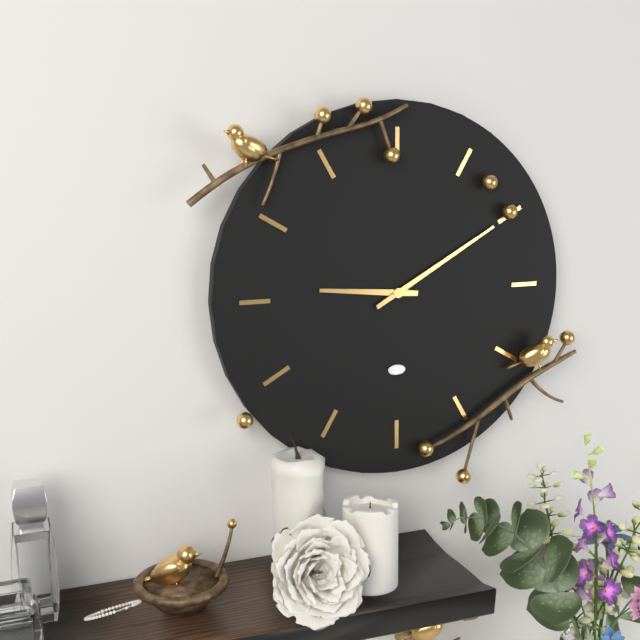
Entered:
9 h 10 min
